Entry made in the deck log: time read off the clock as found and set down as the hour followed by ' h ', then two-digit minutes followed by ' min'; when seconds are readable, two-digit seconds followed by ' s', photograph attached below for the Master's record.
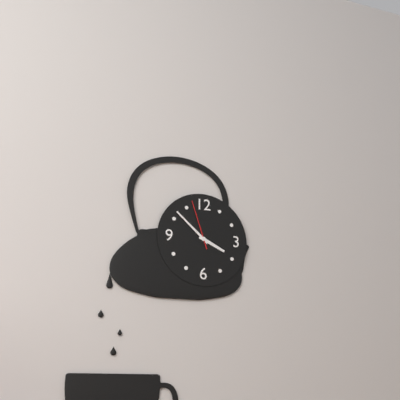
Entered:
3 h 52 min
